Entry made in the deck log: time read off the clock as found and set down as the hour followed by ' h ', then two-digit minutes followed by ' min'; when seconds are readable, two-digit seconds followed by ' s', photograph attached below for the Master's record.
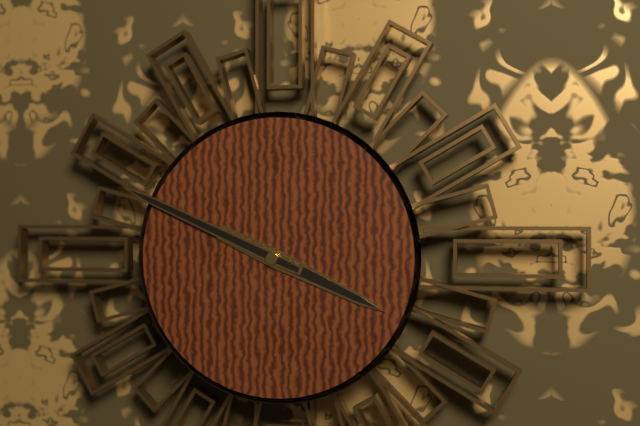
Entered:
3 h 49 min
